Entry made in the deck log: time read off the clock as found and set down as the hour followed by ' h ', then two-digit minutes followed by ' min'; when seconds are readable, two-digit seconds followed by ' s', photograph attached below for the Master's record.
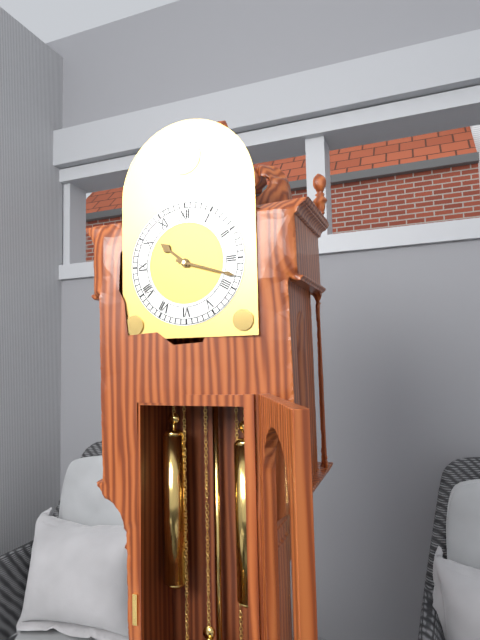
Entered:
10 h 18 min
